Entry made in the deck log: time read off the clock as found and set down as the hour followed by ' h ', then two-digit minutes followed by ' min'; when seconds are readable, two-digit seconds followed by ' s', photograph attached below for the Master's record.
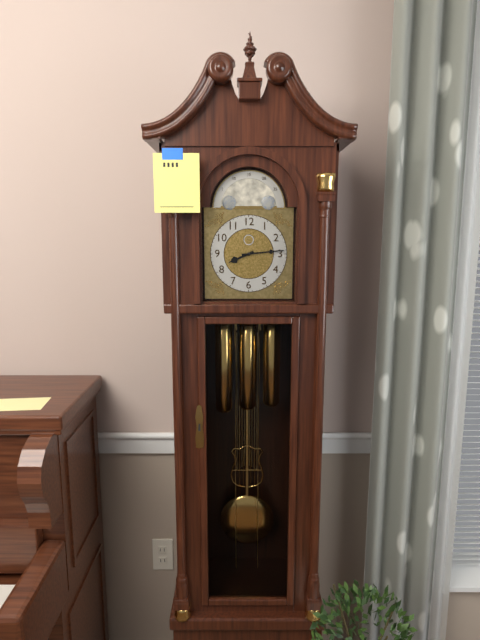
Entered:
8 h 14 min
